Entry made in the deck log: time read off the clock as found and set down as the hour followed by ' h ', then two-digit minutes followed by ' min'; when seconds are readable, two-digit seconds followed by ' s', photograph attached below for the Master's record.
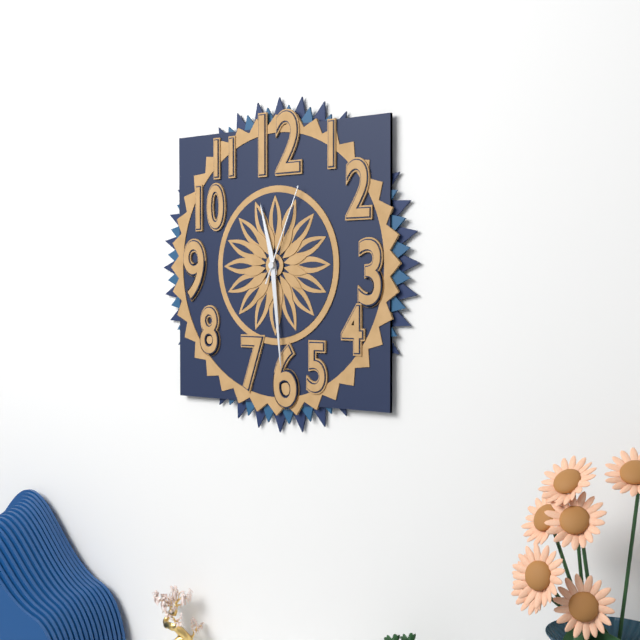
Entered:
11 h 29 min 04 s
